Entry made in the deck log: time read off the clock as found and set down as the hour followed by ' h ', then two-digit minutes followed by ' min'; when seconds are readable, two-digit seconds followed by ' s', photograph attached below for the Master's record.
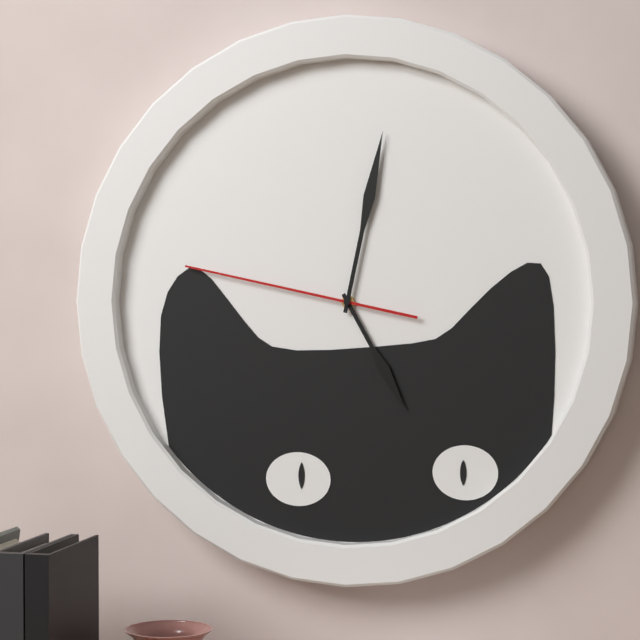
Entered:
5 h 02 min 47 s
